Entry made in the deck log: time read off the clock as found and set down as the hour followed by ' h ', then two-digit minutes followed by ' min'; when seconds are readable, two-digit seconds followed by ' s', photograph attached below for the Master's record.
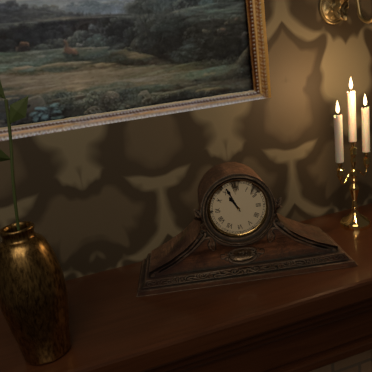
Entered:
10 h 56 min
